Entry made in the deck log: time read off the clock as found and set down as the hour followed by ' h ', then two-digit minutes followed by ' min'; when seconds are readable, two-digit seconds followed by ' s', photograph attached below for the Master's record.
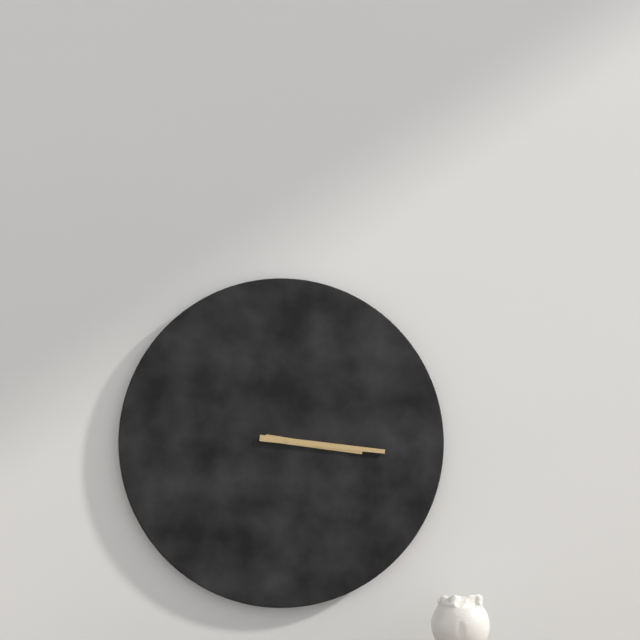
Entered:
3 h 16 min
